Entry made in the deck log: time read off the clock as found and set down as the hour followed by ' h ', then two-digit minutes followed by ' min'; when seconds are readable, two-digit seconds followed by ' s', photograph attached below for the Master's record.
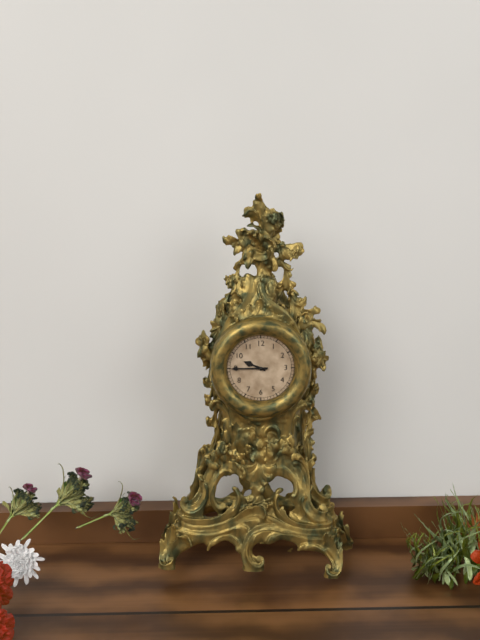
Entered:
9 h 45 min
